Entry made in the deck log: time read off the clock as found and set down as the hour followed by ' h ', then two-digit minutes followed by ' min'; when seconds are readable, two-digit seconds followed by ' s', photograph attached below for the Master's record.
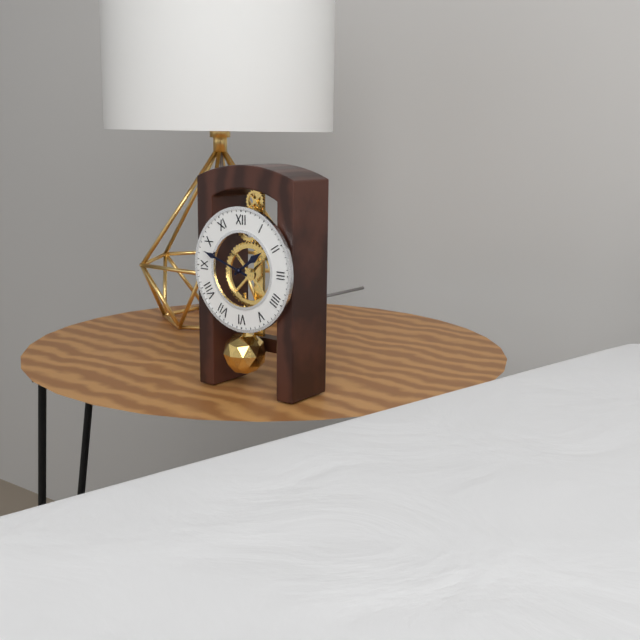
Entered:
1 h 48 min
